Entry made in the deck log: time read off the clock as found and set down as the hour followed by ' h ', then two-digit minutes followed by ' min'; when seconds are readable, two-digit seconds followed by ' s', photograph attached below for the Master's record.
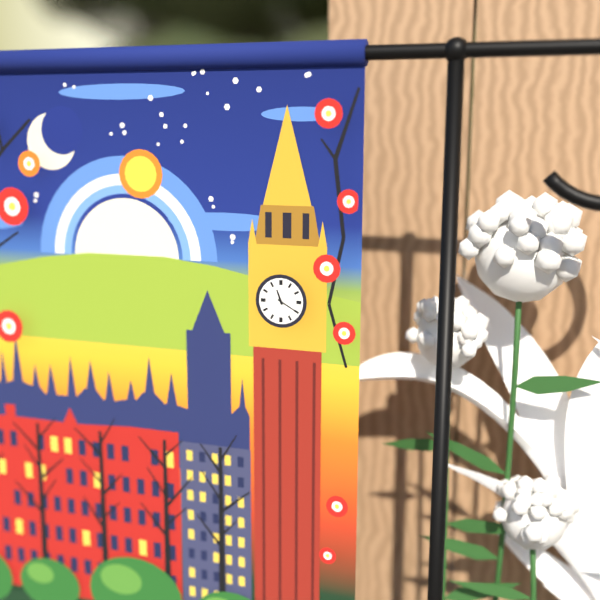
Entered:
11 h 20 min
